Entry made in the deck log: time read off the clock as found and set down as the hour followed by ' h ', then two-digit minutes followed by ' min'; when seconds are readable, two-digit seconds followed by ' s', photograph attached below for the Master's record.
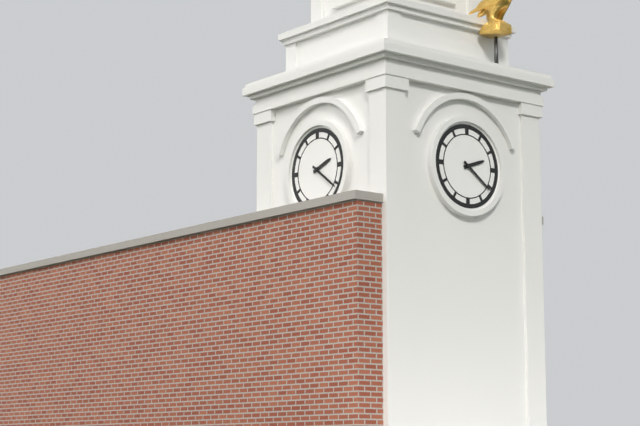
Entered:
2 h 21 min
